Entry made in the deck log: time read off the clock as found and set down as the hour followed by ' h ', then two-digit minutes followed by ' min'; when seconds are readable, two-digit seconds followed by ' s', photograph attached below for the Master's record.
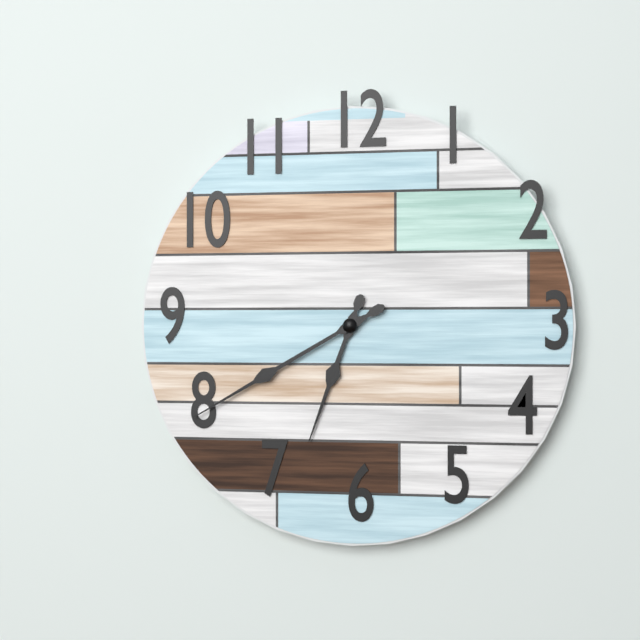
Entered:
6 h 40 min
